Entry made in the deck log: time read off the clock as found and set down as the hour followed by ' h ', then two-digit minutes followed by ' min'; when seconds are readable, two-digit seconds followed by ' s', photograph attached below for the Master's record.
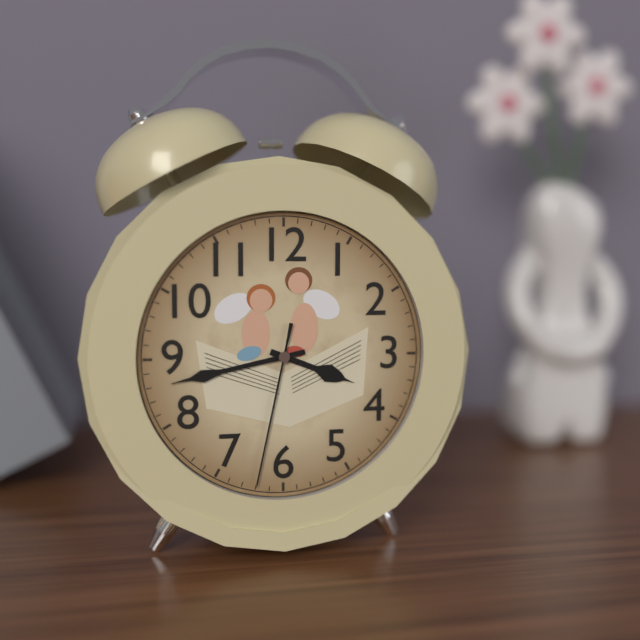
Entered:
3 h 43 min 32 s
